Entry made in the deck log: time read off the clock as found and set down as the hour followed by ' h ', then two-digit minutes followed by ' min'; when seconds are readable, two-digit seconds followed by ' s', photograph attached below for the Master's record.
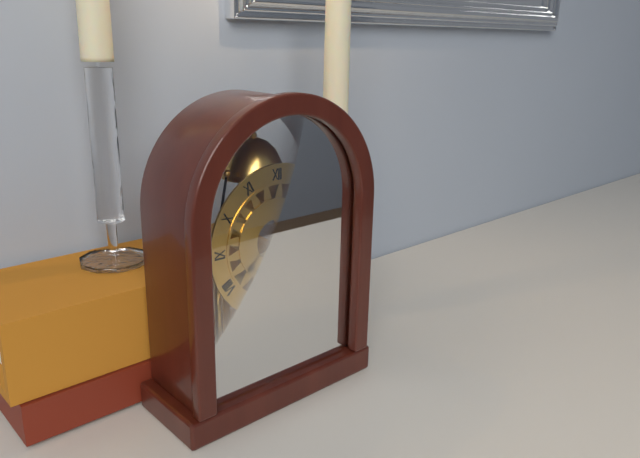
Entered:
7 h 24 min
